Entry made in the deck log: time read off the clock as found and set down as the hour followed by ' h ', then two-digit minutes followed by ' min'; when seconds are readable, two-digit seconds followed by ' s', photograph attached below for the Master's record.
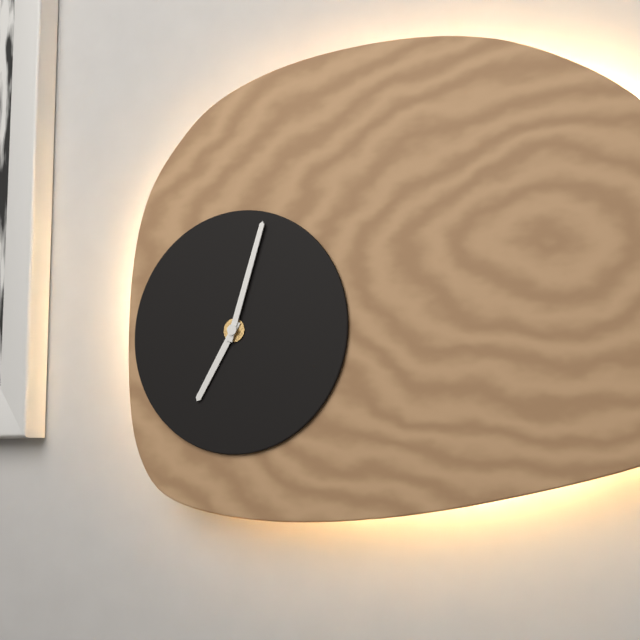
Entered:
7 h 03 min
